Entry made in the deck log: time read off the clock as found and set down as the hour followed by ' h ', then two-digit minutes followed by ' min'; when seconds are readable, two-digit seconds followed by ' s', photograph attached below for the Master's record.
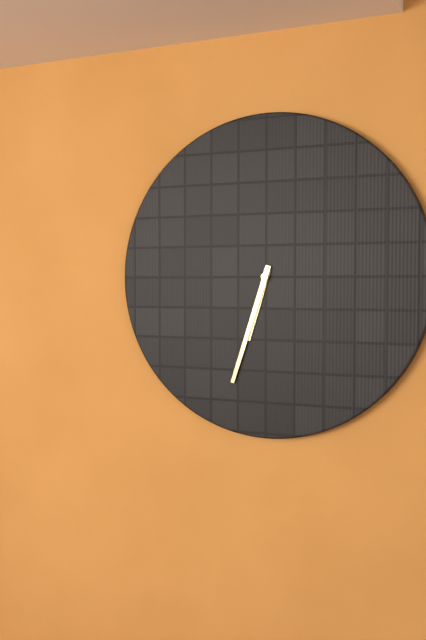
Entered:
6 h 33 min
